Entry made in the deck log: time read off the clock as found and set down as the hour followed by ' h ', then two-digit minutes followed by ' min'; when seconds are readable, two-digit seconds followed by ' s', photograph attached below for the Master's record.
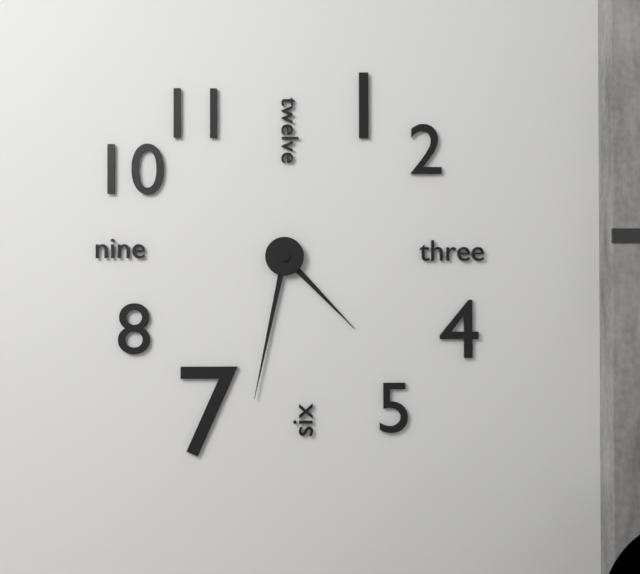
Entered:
4 h 32 min
